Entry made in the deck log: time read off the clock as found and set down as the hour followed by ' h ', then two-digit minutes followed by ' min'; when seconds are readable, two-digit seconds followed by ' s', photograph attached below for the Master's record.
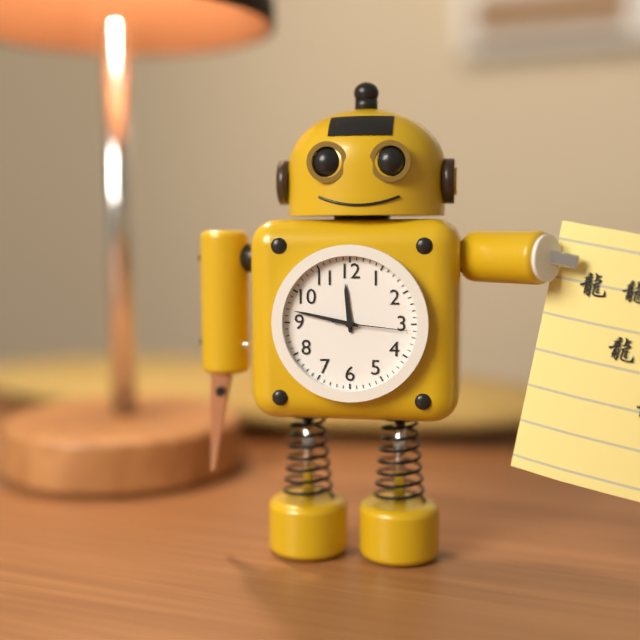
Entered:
11 h 47 min 16 s
